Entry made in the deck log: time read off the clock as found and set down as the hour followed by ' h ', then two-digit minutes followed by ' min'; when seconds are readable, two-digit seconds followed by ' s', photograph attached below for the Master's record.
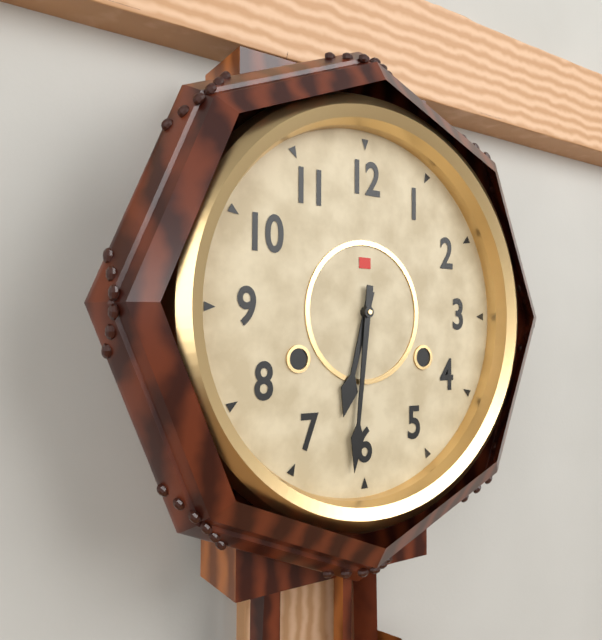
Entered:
6 h 31 min
